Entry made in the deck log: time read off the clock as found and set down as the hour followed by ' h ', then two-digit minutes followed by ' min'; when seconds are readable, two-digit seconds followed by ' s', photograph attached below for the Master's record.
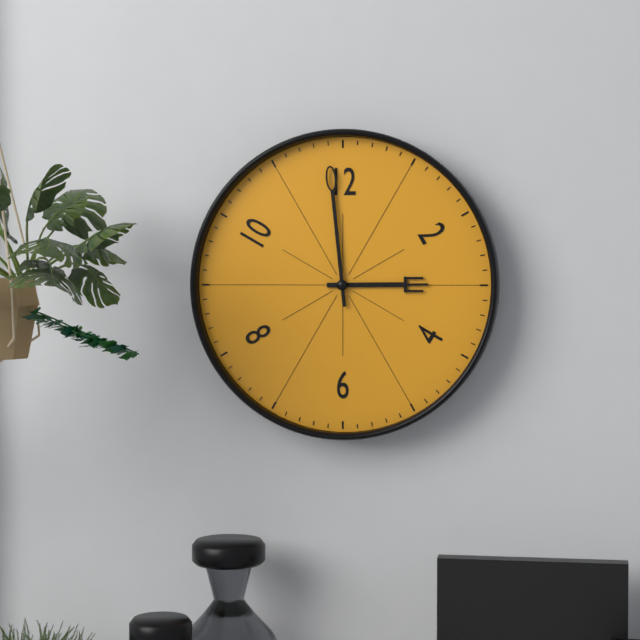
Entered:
2 h 59 min
